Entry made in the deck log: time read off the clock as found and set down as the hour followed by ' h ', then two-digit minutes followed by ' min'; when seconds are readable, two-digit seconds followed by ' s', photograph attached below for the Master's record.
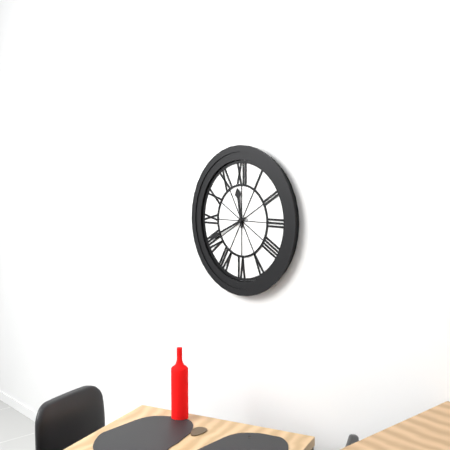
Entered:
11 h 41 min
